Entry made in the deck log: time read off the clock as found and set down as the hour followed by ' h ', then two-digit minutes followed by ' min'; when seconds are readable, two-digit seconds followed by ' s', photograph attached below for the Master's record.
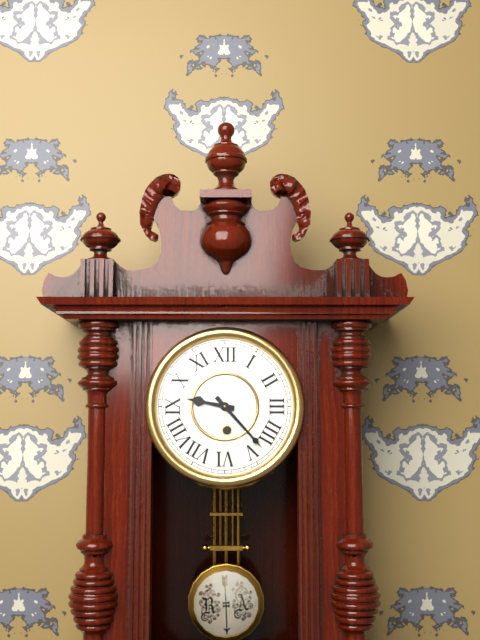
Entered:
9 h 23 min
